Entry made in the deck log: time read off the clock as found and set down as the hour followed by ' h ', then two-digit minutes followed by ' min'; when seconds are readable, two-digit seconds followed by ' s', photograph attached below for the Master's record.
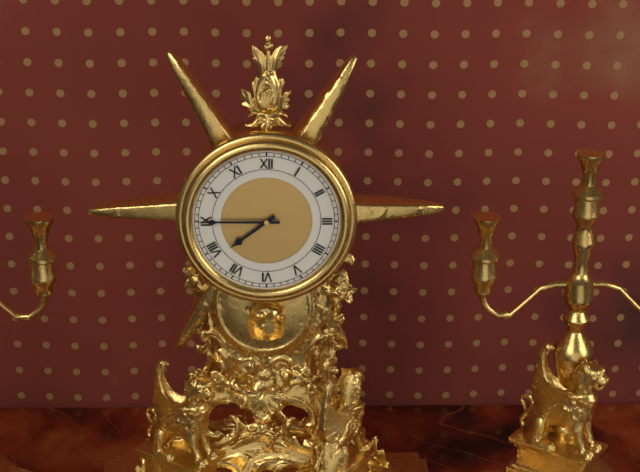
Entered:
7 h 45 min
